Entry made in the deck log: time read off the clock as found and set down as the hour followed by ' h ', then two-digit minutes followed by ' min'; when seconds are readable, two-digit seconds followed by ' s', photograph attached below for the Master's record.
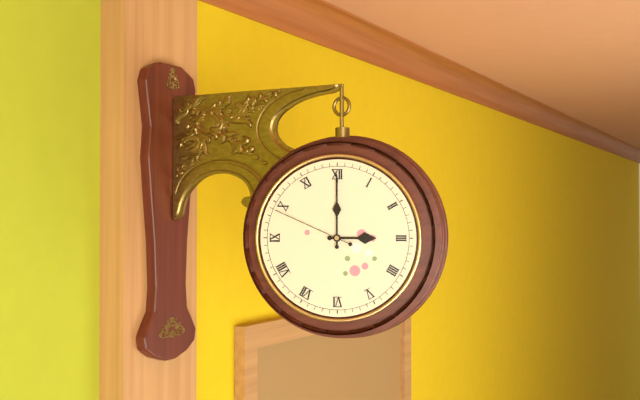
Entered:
3 h 00 min 49 s
